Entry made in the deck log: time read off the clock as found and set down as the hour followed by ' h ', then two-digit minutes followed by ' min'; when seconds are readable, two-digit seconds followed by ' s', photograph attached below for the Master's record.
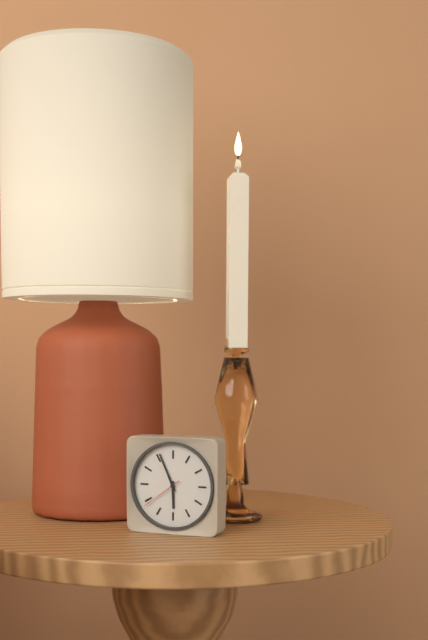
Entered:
5 h 56 min
